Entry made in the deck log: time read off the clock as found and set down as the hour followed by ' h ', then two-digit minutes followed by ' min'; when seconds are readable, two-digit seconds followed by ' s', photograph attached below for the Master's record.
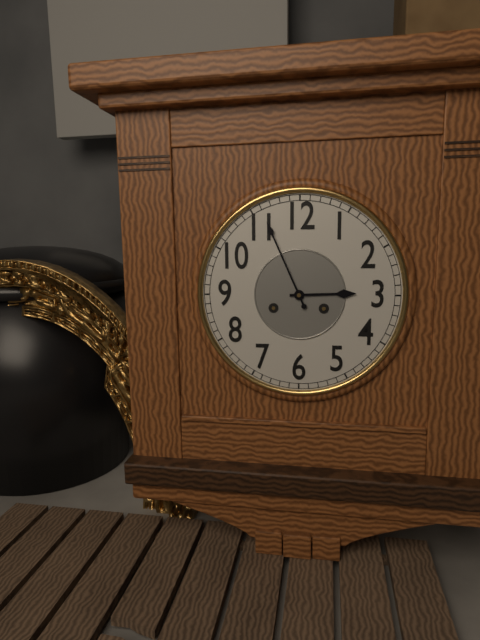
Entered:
2 h 56 min
